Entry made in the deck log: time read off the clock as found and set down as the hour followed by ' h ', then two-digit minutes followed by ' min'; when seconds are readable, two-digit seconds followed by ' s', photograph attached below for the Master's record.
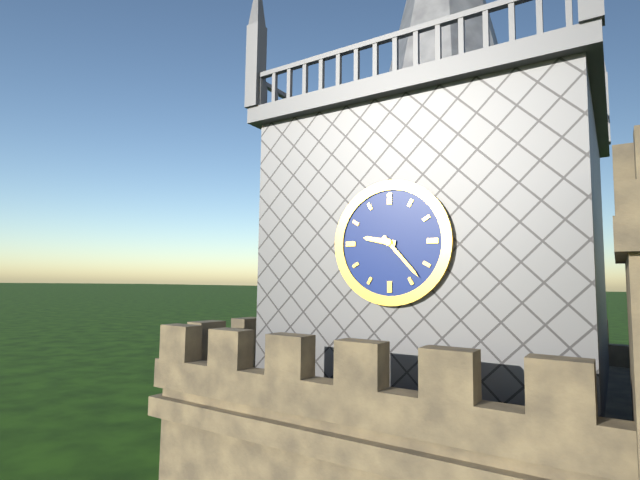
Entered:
9 h 23 min
